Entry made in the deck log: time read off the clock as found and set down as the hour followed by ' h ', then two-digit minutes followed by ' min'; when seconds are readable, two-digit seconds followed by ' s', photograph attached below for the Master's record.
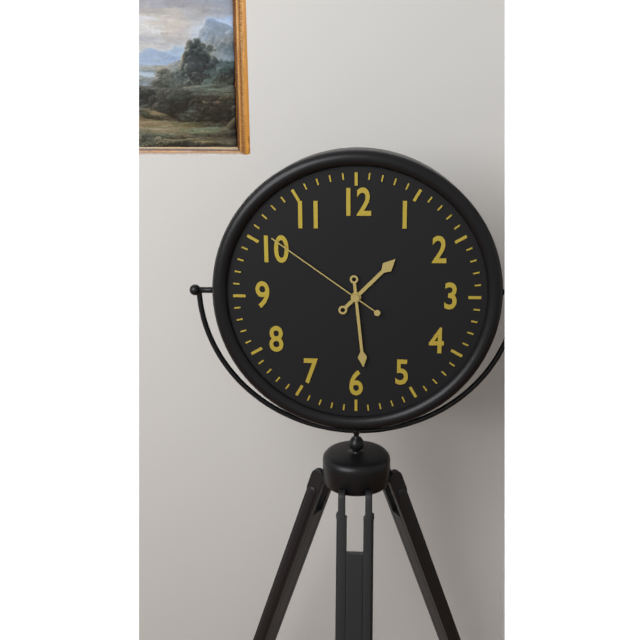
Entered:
1 h 29 min 51 s
